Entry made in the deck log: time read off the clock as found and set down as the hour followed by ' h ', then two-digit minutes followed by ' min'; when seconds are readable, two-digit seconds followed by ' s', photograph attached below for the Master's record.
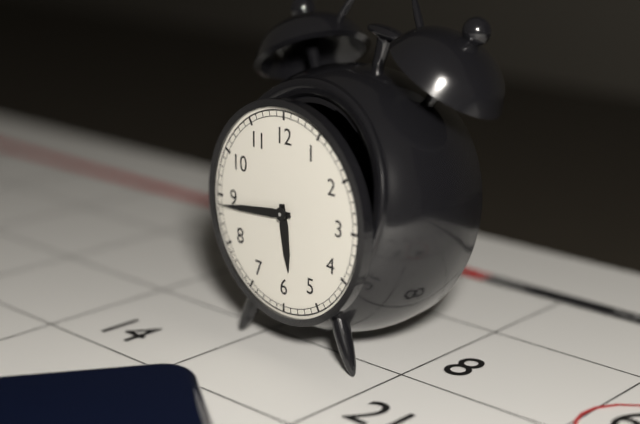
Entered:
5 h 44 min
